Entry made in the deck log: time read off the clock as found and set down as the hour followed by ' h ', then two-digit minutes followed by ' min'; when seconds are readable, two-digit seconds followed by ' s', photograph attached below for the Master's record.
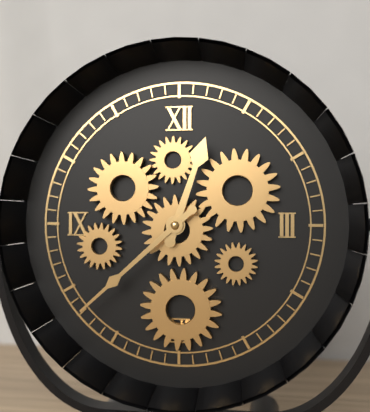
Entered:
12 h 38 min
